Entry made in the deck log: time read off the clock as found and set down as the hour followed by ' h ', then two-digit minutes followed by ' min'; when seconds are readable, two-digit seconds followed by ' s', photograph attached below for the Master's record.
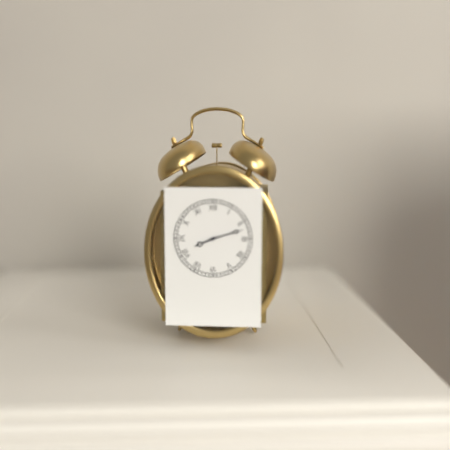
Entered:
8 h 12 min
